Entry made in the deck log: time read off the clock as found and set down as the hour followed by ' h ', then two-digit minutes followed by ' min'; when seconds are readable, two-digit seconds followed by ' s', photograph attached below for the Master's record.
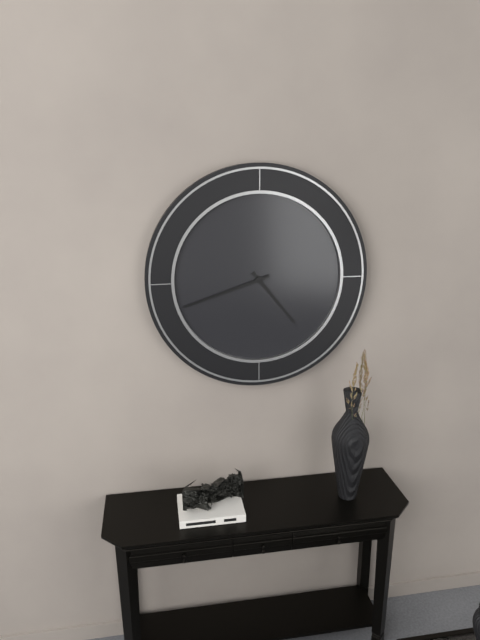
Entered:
4 h 42 min
